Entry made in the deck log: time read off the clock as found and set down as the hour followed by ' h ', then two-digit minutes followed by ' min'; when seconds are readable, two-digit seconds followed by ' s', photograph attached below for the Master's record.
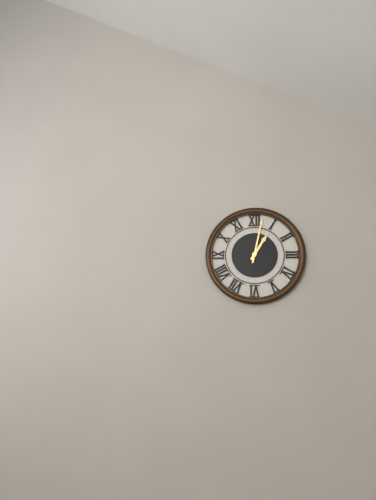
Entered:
1 h 02 min
